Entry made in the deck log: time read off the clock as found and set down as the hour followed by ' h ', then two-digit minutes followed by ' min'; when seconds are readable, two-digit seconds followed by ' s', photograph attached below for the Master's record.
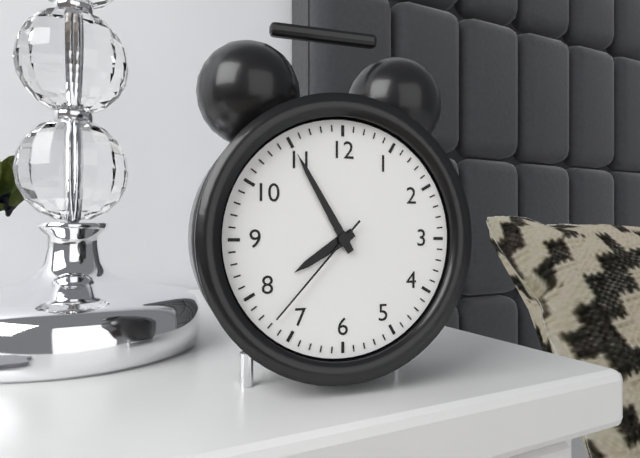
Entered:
7 h 55 min 37 s
